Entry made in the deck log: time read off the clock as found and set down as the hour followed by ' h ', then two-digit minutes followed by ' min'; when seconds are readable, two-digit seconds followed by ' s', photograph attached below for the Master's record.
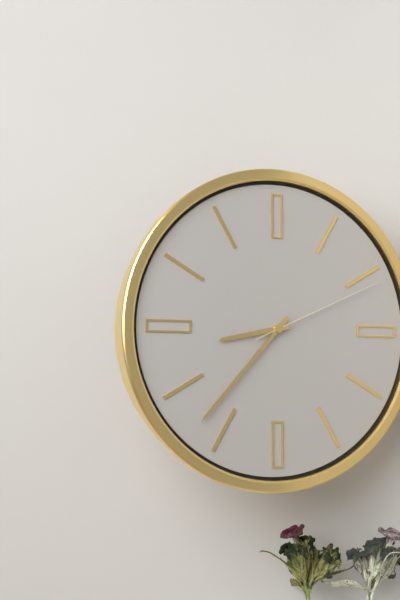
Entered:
8 h 37 min 11 s
